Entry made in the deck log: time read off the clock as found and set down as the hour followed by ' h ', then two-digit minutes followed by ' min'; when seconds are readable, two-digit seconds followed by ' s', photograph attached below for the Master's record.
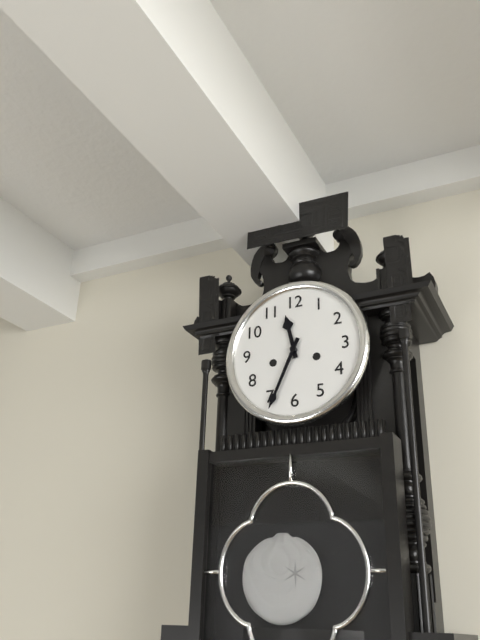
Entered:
11 h 34 min
